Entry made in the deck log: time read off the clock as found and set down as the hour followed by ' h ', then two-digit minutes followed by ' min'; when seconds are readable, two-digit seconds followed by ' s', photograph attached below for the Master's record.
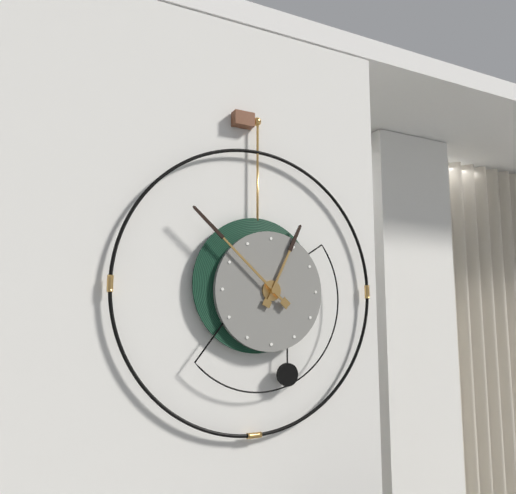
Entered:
12 h 52 min
